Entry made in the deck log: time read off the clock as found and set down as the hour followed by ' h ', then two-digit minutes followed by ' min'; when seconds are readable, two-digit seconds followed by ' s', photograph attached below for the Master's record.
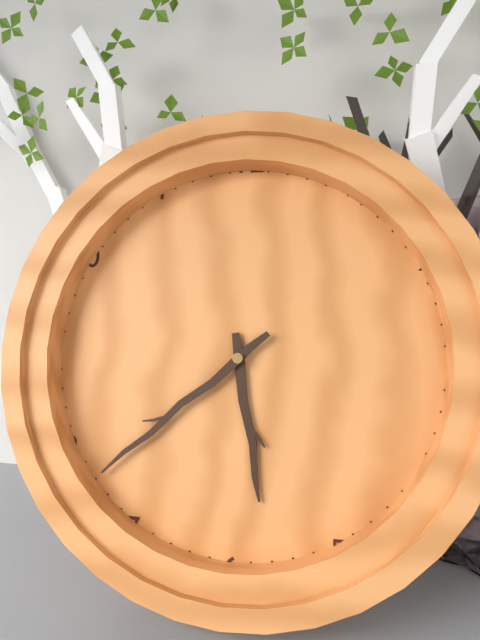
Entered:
5 h 38 min
